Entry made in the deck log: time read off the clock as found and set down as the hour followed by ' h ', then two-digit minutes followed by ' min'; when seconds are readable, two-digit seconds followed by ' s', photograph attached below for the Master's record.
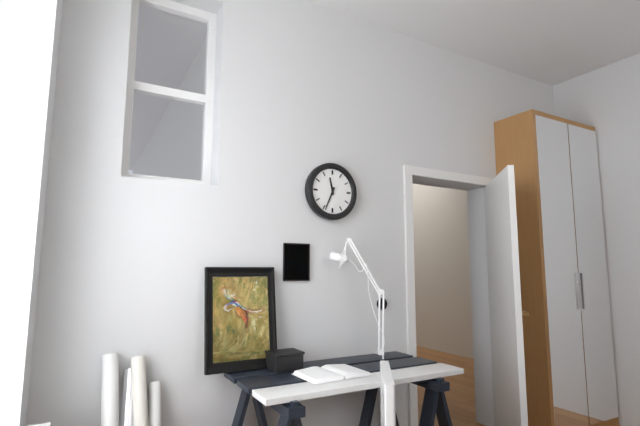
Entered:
11 h 34 min
